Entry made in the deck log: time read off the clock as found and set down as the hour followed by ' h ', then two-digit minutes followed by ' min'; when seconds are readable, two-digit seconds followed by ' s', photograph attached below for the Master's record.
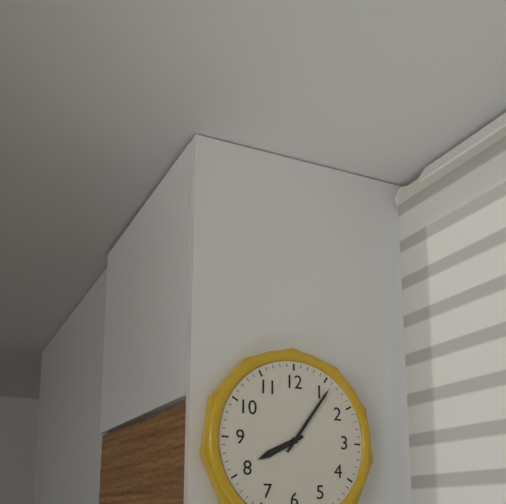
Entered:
8 h 06 min
